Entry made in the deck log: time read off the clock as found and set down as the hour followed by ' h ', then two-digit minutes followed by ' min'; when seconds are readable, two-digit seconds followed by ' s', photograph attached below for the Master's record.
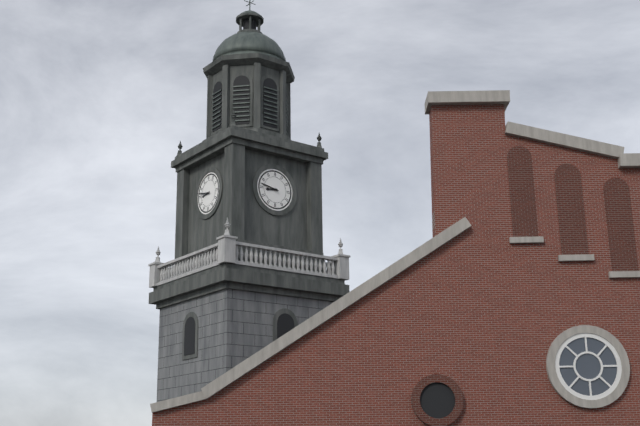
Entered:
8 h 47 min
